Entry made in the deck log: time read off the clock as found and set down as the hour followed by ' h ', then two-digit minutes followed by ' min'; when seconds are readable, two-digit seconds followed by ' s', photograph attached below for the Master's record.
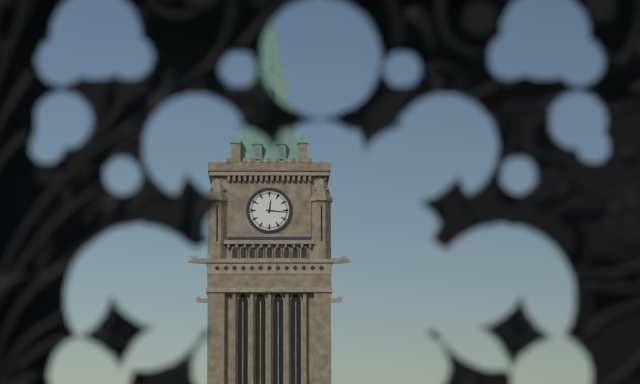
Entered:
12 h 16 min
